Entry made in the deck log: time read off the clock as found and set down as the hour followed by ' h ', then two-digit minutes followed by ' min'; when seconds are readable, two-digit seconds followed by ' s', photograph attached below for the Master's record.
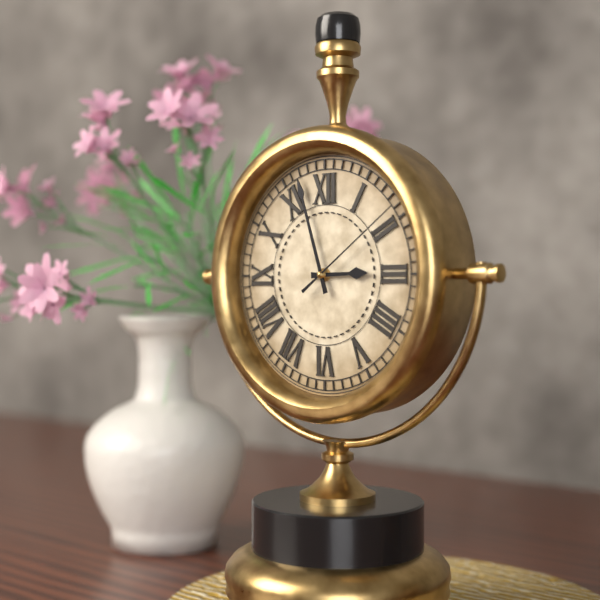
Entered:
2 h 57 min 09 s
